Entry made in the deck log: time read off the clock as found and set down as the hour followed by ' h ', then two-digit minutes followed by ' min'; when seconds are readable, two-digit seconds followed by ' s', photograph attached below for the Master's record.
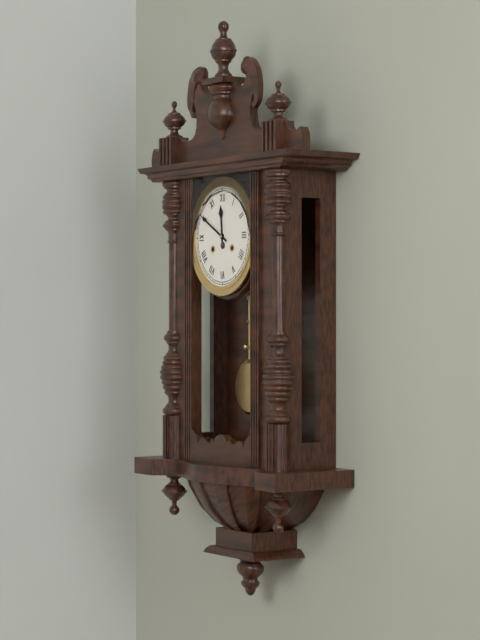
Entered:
11 h 50 min
